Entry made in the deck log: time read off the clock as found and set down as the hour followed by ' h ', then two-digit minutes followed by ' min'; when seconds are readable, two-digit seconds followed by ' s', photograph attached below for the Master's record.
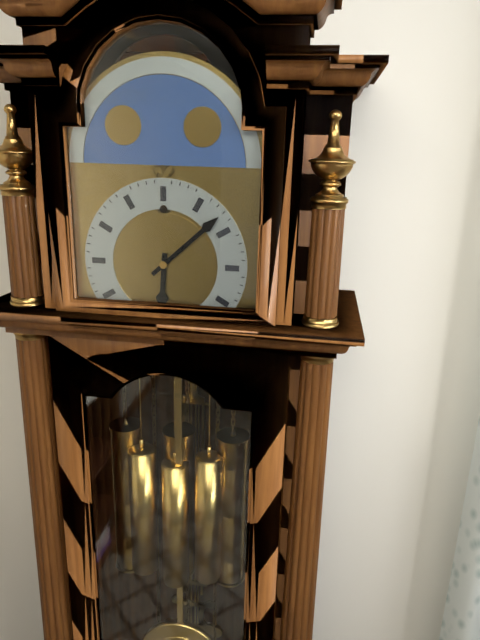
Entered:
6 h 08 min
